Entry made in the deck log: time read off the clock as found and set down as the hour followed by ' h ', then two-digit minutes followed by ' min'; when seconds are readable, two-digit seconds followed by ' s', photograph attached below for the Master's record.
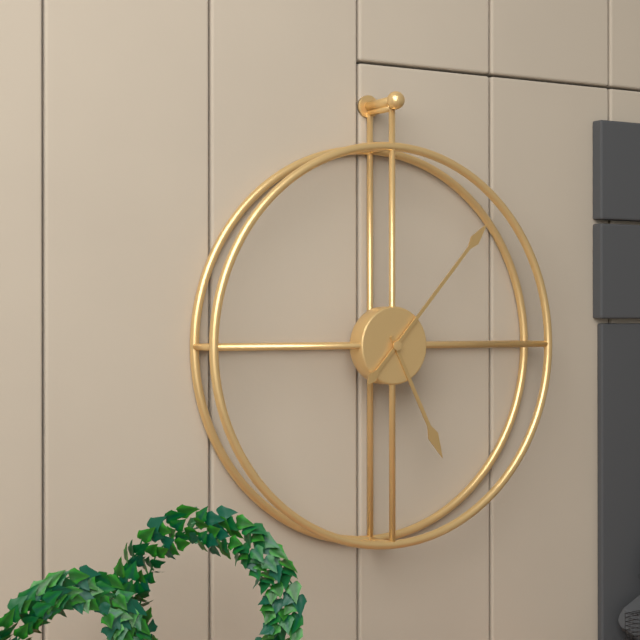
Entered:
5 h 07 min
